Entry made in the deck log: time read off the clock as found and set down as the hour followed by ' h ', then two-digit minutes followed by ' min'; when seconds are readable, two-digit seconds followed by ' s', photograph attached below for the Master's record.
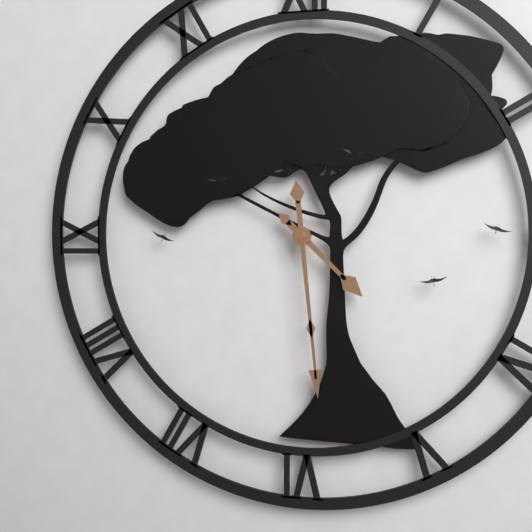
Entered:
4 h 29 min
